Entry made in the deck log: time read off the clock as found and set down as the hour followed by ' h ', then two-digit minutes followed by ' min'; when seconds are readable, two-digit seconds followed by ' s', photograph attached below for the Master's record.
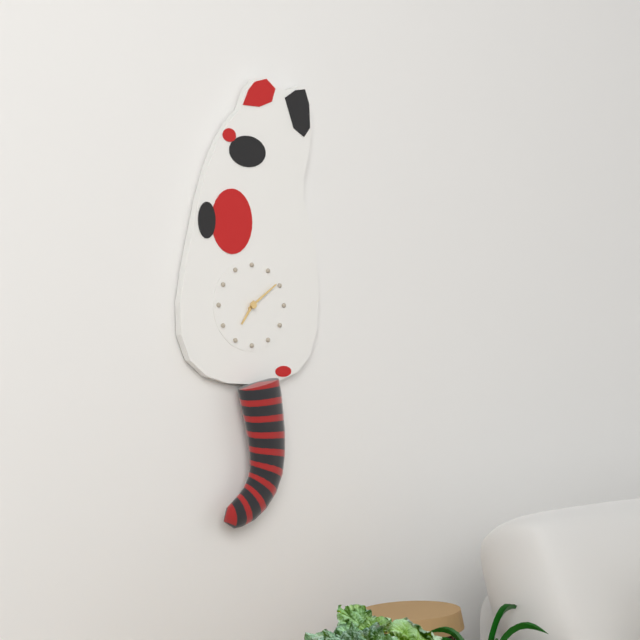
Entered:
7 h 09 min
